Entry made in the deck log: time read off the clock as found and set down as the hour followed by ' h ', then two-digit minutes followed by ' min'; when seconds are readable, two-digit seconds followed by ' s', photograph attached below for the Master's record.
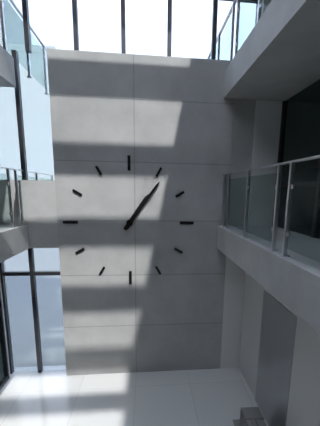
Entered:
1 h 06 min
